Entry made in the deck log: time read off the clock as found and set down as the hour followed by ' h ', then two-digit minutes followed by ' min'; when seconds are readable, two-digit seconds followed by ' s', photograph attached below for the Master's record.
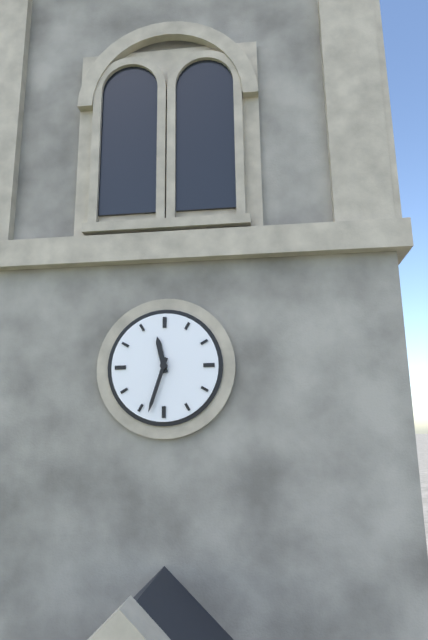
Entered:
11 h 33 min
